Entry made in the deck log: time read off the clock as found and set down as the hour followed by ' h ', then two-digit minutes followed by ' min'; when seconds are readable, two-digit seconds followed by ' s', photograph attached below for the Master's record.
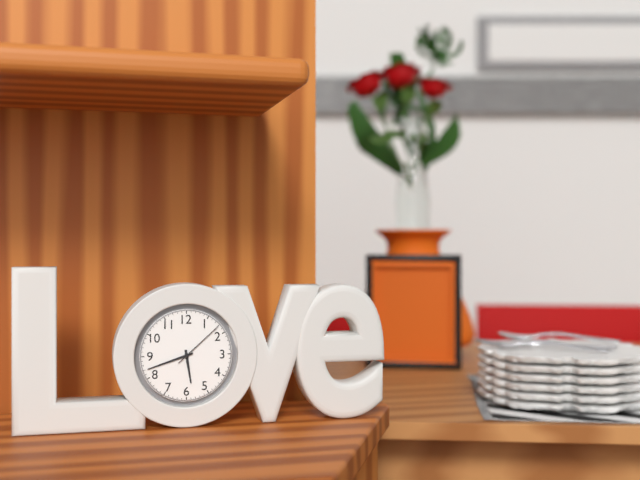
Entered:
5 h 42 min 08 s
